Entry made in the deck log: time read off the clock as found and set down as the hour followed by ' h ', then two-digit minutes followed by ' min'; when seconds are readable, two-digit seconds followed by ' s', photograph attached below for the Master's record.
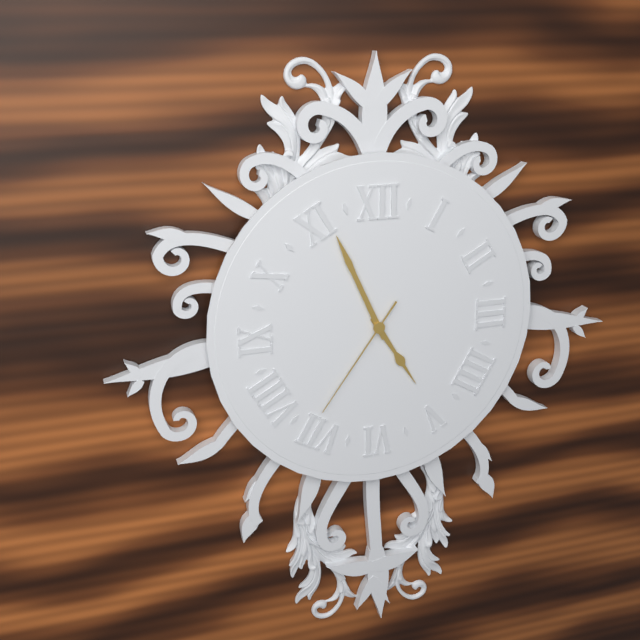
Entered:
4 h 56 min 36 s
